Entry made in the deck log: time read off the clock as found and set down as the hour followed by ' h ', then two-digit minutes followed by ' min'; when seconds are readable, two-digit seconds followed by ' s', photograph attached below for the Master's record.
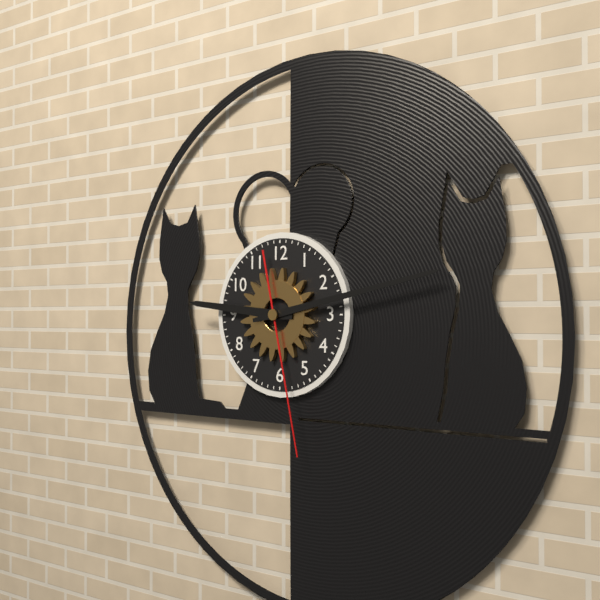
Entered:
9 h 13 min 28 s
